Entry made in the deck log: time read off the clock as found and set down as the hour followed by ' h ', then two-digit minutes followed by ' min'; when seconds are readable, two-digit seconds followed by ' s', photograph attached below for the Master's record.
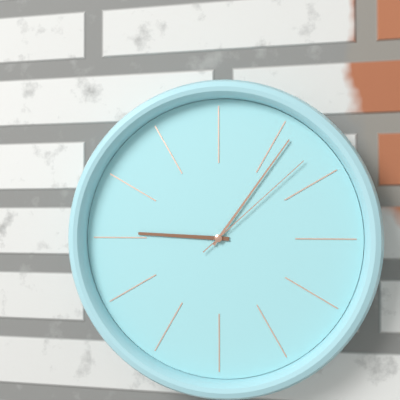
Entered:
9 h 06 min 08 s
